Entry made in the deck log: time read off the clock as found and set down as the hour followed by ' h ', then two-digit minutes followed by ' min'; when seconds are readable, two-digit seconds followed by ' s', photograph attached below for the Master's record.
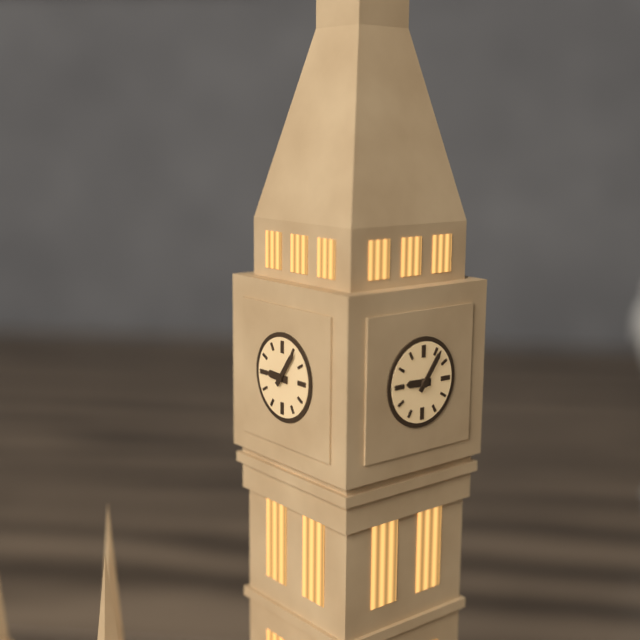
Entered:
9 h 06 min
